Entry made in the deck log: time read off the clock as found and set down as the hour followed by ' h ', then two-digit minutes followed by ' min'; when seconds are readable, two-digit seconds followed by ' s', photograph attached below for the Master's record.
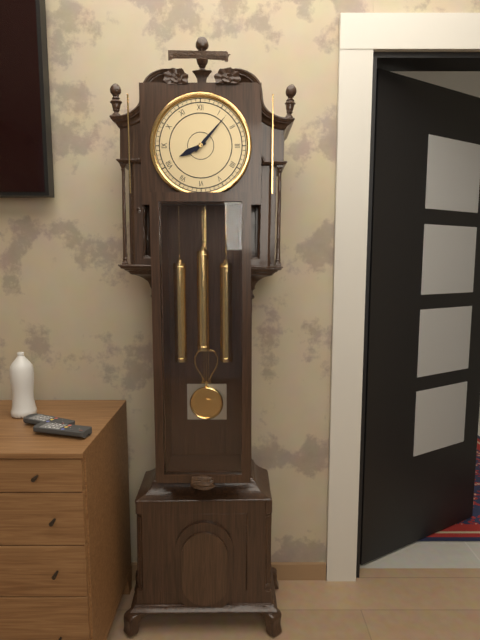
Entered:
8 h 07 min
